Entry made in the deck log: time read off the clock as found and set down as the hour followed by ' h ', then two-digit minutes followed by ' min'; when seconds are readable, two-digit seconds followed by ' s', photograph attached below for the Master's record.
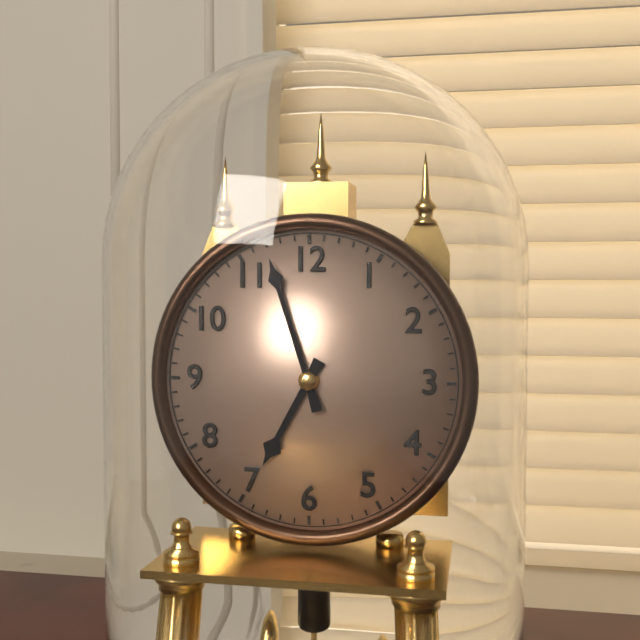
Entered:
6 h 57 min
